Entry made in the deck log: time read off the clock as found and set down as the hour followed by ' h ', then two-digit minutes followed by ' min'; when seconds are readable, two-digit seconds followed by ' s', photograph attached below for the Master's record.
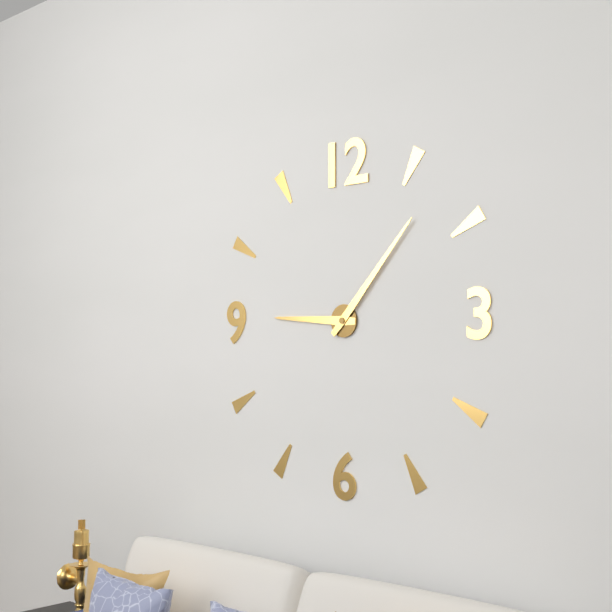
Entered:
9 h 07 min
